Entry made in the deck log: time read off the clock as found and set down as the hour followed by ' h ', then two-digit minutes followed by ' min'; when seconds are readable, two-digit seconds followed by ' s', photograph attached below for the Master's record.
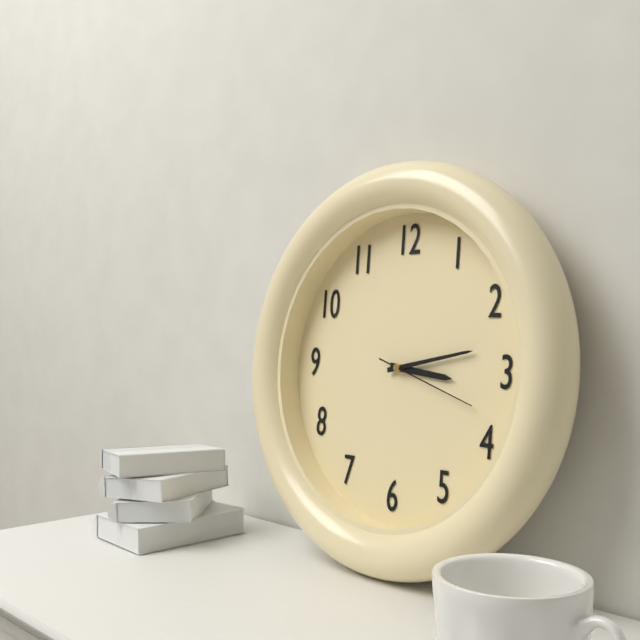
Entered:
3 h 13 min 18 s
